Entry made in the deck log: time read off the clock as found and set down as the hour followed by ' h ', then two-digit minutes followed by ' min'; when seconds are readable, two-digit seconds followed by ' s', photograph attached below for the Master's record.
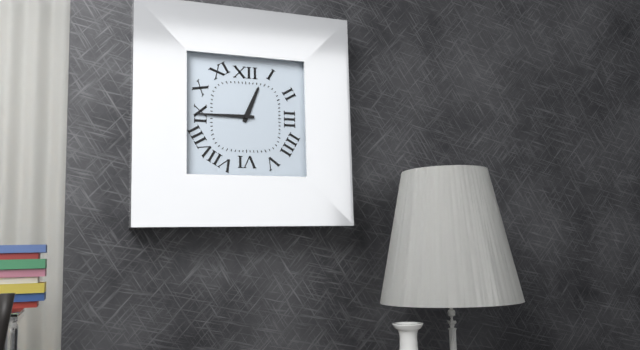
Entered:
12 h 45 min
